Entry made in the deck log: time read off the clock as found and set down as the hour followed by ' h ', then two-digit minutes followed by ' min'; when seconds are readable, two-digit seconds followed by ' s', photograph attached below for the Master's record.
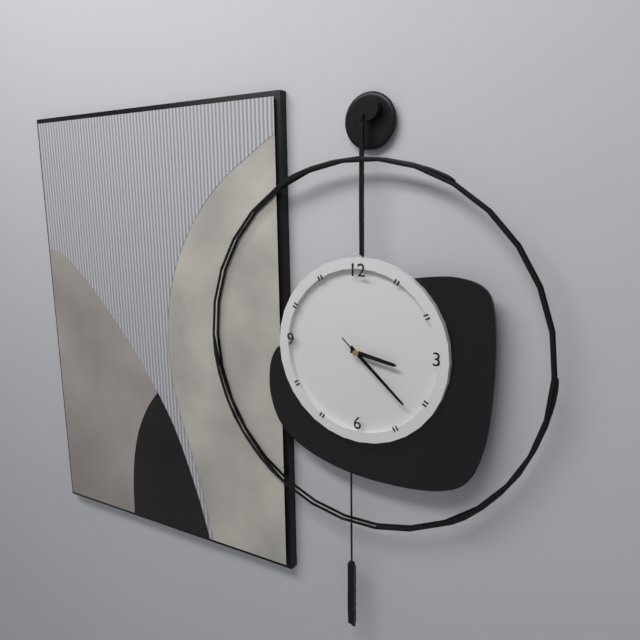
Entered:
3 h 22 min 22 s
